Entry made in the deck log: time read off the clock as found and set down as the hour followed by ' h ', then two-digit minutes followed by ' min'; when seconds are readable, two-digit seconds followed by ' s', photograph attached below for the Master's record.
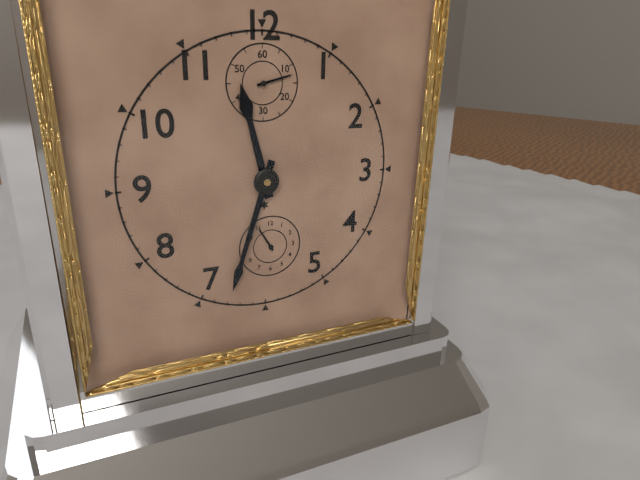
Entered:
11 h 33 min
